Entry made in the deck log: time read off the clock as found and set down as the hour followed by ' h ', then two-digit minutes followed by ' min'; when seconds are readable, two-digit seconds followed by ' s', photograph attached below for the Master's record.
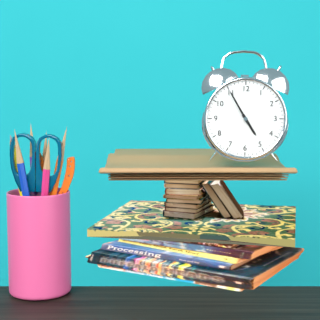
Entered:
4 h 55 min
